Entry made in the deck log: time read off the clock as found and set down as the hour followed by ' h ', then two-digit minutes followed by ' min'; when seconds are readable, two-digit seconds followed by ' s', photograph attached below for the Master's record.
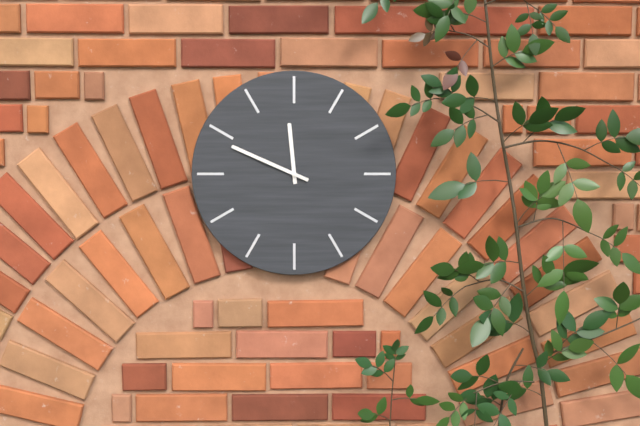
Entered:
11 h 49 min
